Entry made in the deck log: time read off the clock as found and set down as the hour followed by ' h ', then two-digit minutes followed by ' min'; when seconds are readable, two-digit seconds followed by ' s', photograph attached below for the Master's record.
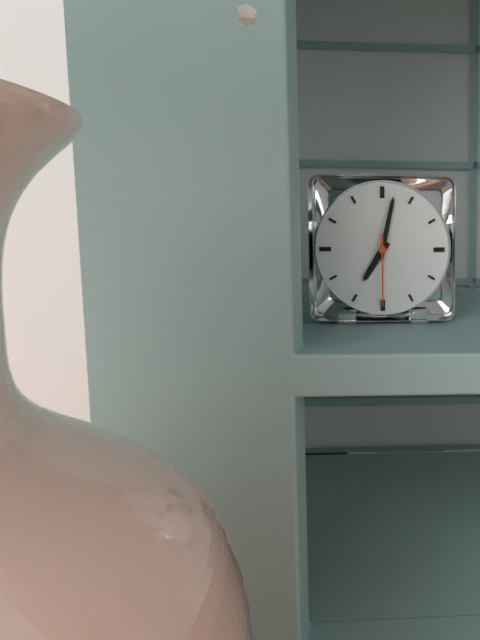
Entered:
7 h 02 min 30 s
